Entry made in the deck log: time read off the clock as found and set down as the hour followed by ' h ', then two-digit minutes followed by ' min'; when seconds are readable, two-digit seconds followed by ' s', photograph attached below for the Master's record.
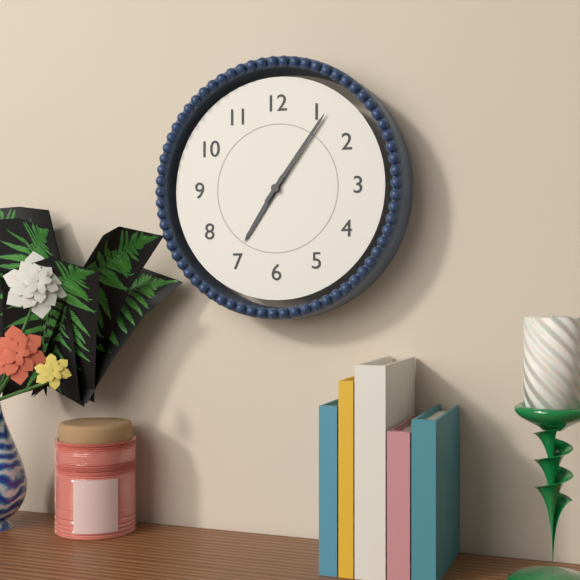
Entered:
7 h 06 min
